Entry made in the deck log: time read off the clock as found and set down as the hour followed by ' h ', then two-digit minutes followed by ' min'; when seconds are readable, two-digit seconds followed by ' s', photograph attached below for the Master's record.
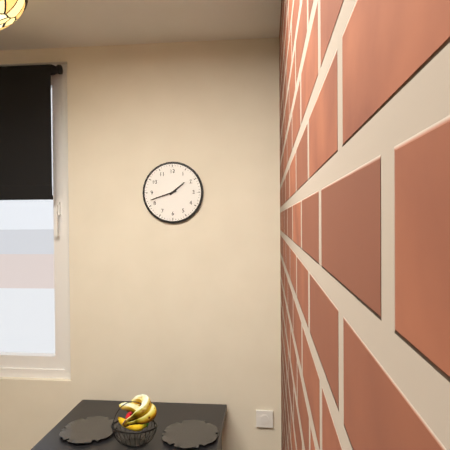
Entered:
1 h 42 min
